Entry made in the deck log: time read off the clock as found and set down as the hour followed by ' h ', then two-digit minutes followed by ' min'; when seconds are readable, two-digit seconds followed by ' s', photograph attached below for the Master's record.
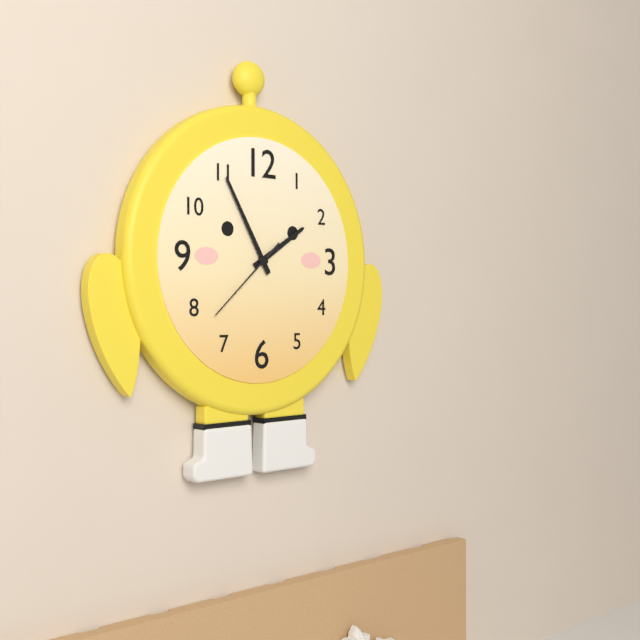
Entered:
1 h 55 min 38 s
